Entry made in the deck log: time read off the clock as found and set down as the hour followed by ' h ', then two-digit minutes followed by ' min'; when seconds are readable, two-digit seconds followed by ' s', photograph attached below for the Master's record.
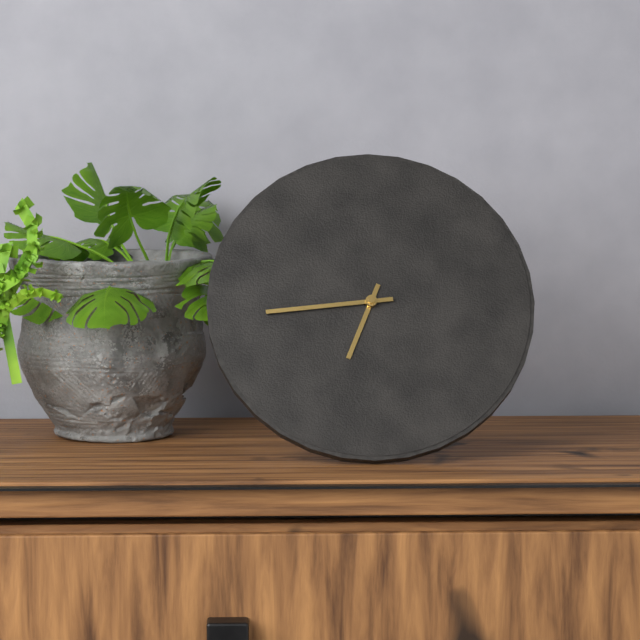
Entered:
6 h 44 min
